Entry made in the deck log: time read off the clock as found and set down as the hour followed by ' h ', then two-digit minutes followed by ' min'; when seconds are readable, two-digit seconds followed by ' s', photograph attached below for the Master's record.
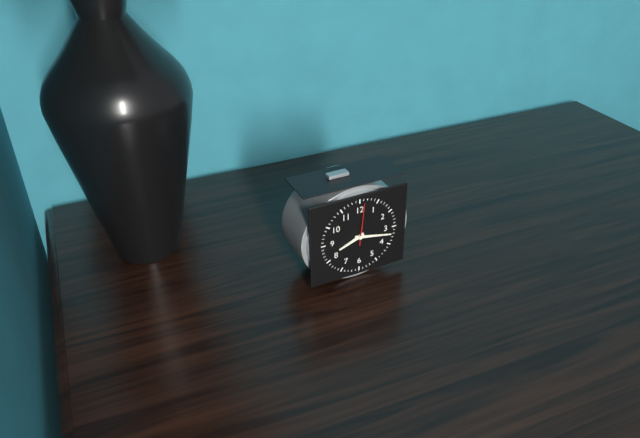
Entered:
8 h 17 min
